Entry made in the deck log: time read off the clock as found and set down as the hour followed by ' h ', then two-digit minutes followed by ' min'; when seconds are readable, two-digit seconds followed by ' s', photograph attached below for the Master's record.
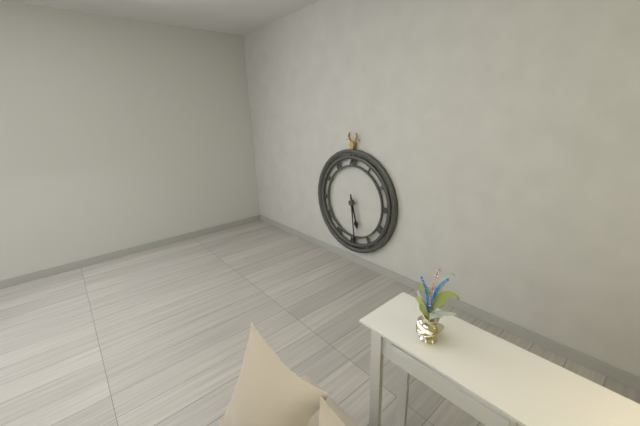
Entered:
5 h 29 min
